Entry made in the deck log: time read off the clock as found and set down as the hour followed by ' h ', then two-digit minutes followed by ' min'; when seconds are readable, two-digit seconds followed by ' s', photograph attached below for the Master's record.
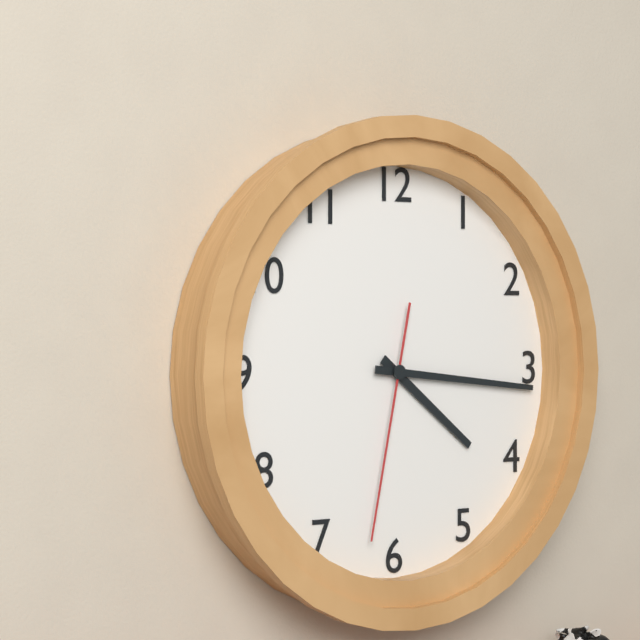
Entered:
4 h 16 min 32 s
